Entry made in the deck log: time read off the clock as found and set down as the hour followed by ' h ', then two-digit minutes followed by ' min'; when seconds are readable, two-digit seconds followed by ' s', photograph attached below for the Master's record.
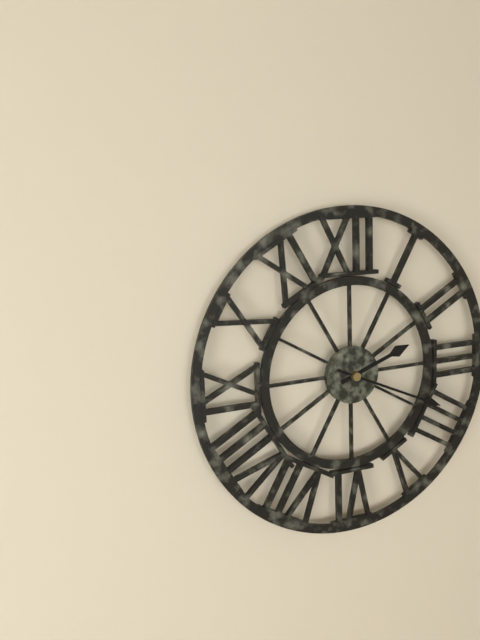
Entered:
2 h 19 min
